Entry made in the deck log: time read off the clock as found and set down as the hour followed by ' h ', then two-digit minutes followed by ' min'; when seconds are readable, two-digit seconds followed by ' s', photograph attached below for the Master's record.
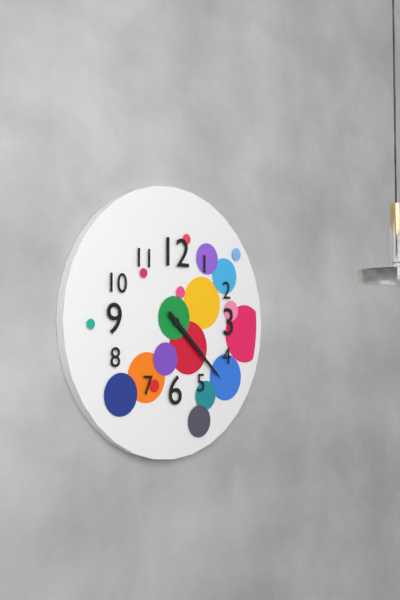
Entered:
4 h 22 min
